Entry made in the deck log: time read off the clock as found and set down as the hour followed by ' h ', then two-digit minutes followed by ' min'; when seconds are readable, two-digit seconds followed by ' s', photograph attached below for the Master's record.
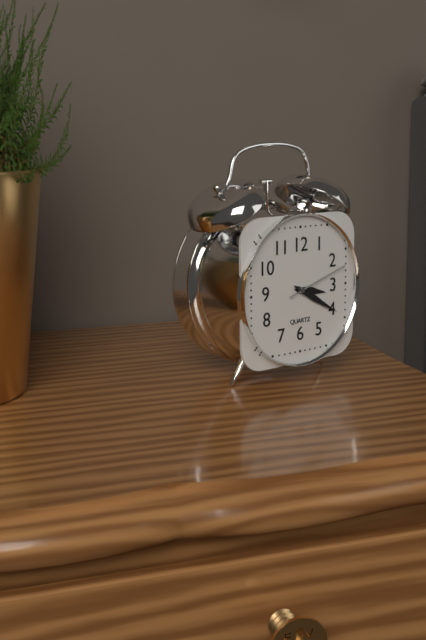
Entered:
3 h 20 min 12 s
